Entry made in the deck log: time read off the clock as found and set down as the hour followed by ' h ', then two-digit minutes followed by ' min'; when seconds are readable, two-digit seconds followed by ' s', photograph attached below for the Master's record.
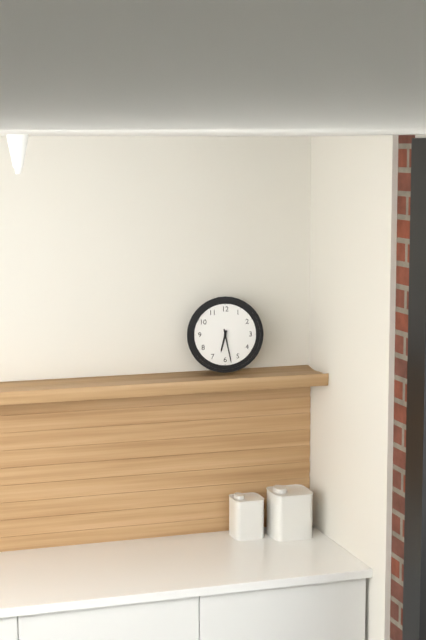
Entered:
6 h 28 min
